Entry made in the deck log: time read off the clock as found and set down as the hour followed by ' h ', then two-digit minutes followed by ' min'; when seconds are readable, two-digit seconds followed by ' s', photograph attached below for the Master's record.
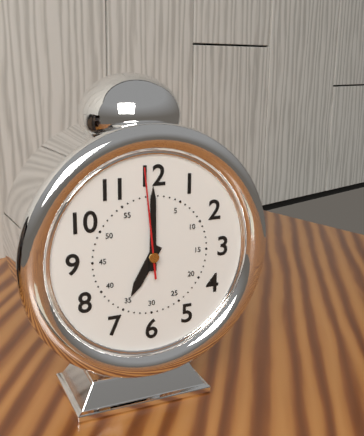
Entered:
7 h 00 min 59 s
